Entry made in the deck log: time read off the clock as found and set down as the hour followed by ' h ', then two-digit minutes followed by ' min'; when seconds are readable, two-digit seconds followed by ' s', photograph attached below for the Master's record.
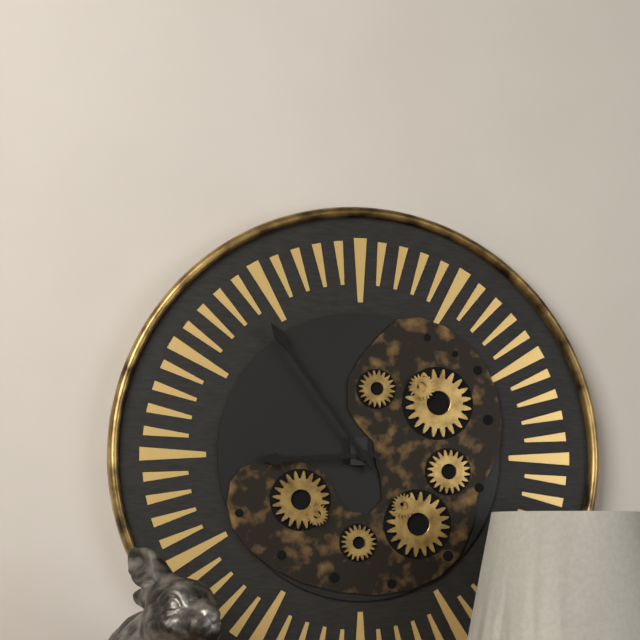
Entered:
8 h 54 min
